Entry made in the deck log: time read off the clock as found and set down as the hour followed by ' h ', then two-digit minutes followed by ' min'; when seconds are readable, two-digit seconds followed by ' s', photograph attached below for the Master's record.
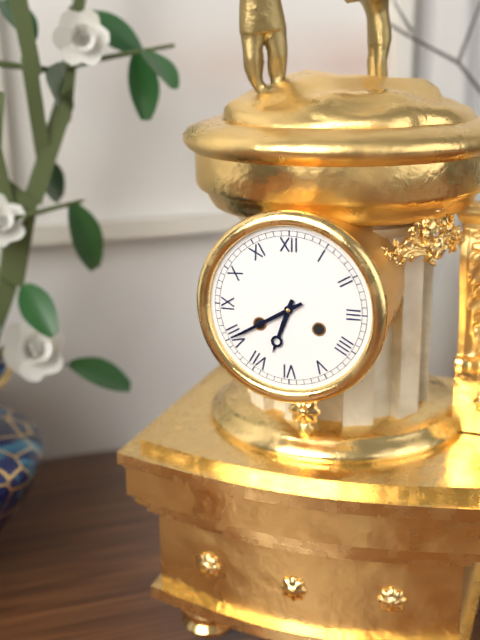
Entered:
6 h 40 min
